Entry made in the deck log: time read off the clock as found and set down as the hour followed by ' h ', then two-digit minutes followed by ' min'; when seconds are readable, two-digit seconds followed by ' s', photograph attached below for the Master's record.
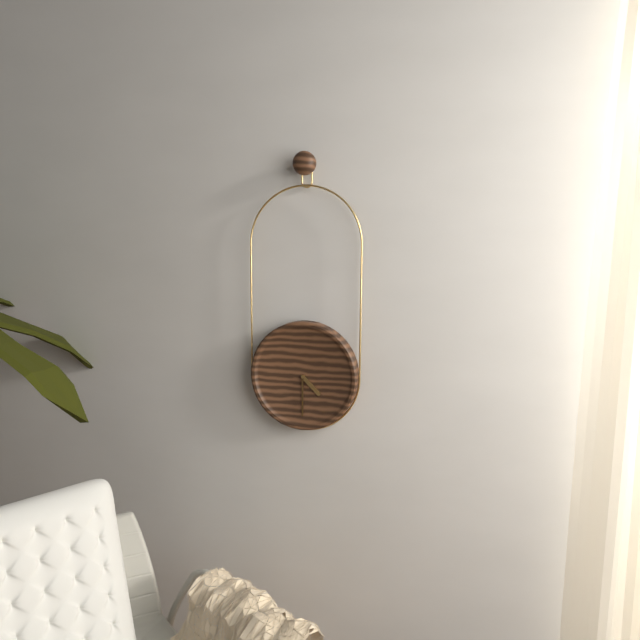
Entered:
4 h 30 min
